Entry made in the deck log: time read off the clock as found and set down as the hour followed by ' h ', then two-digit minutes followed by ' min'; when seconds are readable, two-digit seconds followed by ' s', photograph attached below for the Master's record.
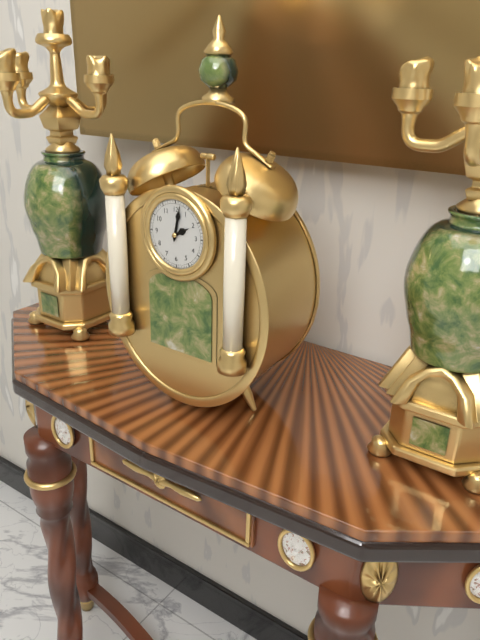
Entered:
2 h 02 min
